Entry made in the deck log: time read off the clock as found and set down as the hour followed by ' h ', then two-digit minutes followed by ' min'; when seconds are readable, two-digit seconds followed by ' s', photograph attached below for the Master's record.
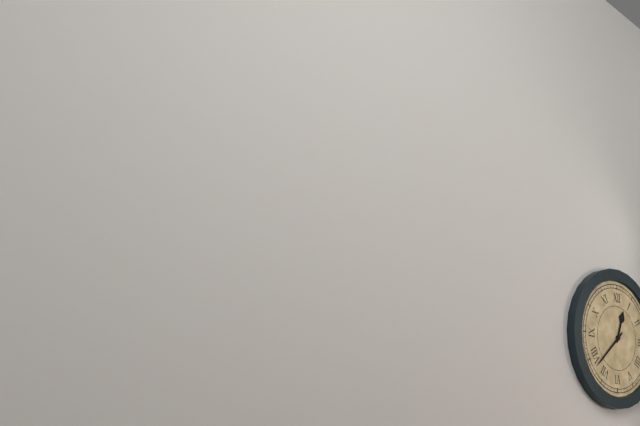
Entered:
12 h 38 min
